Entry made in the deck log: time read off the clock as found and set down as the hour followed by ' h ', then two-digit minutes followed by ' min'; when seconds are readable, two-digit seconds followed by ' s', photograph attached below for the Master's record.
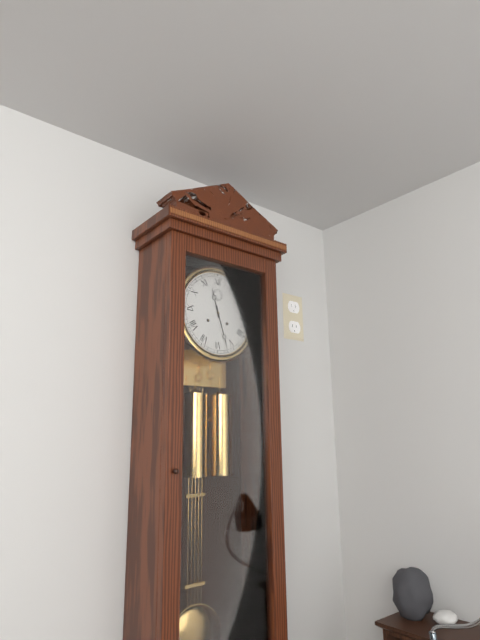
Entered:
11 h 27 min
